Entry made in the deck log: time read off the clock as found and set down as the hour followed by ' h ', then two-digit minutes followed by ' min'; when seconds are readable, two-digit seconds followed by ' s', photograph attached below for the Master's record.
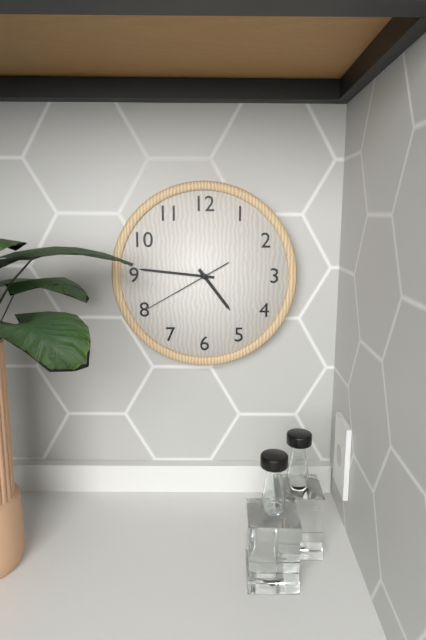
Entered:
4 h 46 min 40 s
